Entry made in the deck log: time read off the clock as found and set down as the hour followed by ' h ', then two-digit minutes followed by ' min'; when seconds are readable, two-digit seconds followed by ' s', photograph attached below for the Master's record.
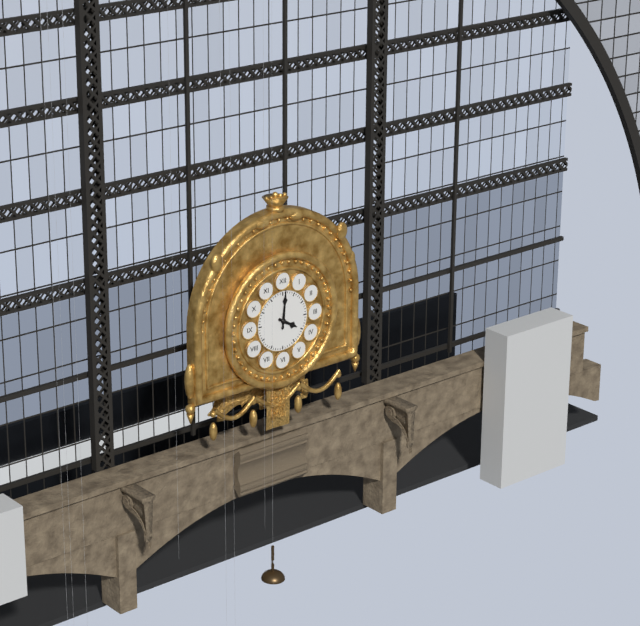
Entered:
4 h 01 min
